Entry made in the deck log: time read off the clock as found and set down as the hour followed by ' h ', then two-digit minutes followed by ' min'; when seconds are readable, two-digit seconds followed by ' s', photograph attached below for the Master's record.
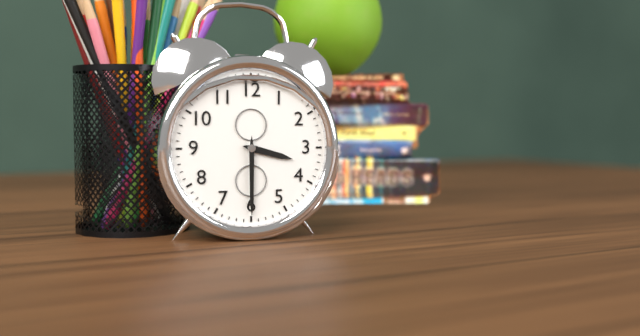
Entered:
3 h 30 min
